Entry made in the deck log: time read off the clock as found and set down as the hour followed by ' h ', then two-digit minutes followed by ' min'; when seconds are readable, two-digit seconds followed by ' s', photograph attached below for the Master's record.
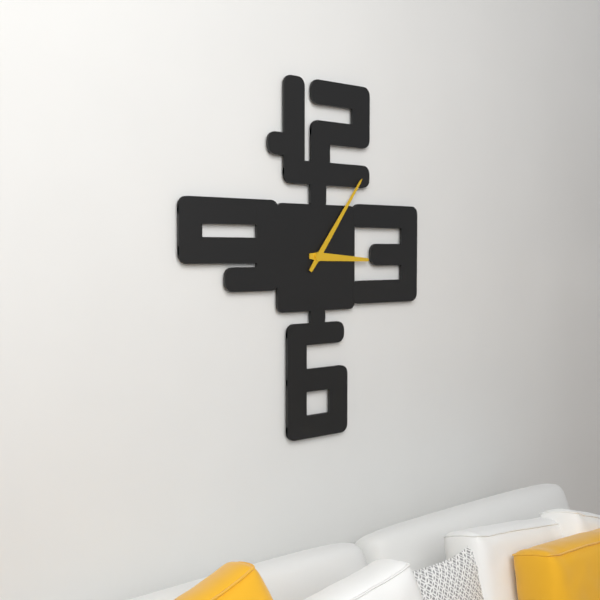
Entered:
3 h 06 min
